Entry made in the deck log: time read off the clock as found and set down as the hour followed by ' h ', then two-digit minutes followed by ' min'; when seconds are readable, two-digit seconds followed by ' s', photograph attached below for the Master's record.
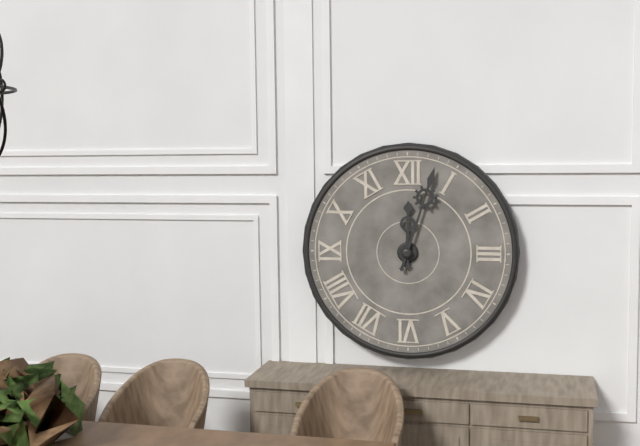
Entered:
12 h 03 min
